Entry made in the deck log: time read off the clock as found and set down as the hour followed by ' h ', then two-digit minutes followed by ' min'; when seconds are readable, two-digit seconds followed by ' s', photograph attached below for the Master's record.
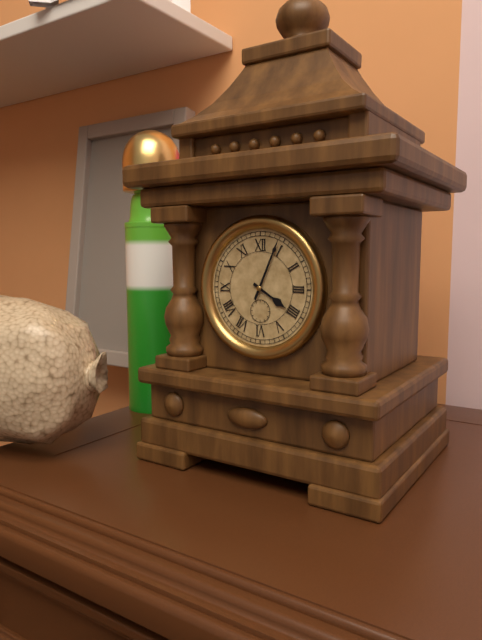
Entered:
4 h 04 min
